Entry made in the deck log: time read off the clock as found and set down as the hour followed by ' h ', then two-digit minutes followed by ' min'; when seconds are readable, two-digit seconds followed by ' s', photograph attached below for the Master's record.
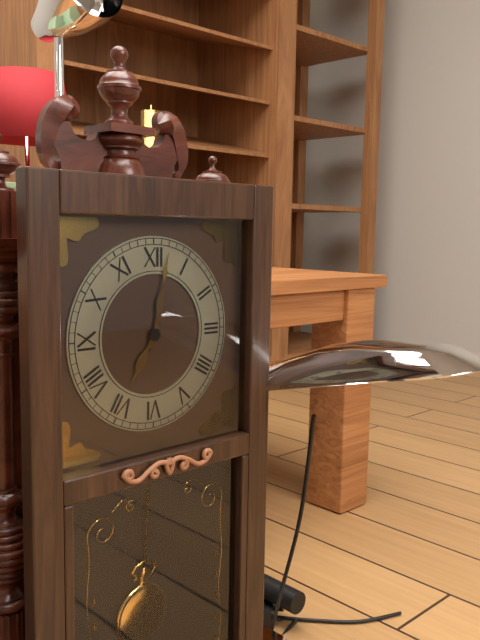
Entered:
7 h 02 min
